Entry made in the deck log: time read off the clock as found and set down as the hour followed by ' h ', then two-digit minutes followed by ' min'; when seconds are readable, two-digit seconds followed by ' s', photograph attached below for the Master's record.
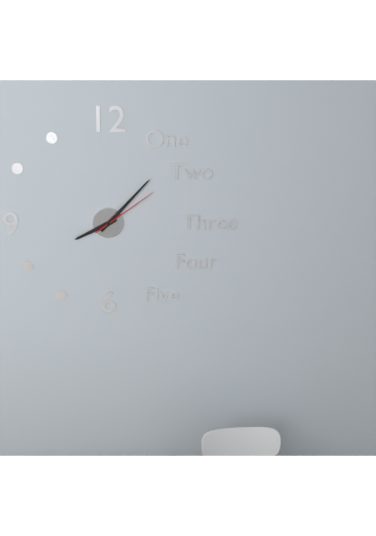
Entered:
8 h 07 min 09 s
